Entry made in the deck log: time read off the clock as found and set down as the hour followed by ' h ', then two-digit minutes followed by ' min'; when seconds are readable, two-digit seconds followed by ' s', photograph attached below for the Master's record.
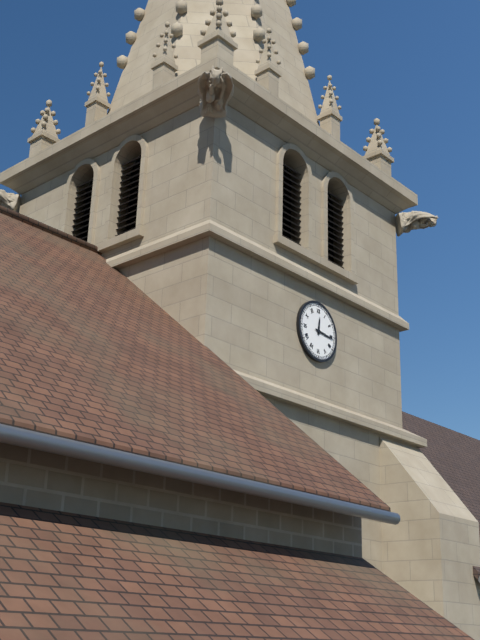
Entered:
12 h 16 min
